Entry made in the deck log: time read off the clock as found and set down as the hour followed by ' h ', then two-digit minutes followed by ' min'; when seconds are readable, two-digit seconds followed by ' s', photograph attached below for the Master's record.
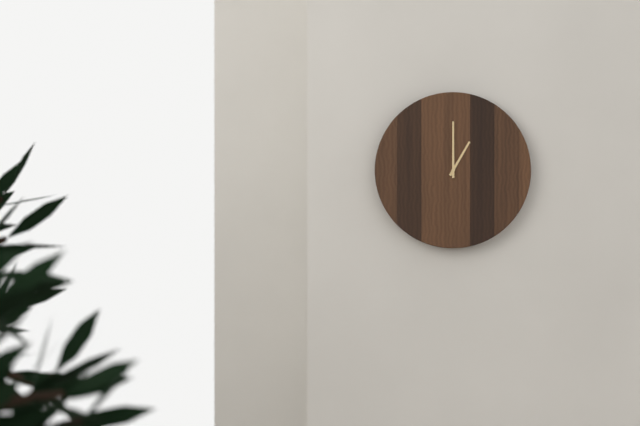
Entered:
1 h 00 min
